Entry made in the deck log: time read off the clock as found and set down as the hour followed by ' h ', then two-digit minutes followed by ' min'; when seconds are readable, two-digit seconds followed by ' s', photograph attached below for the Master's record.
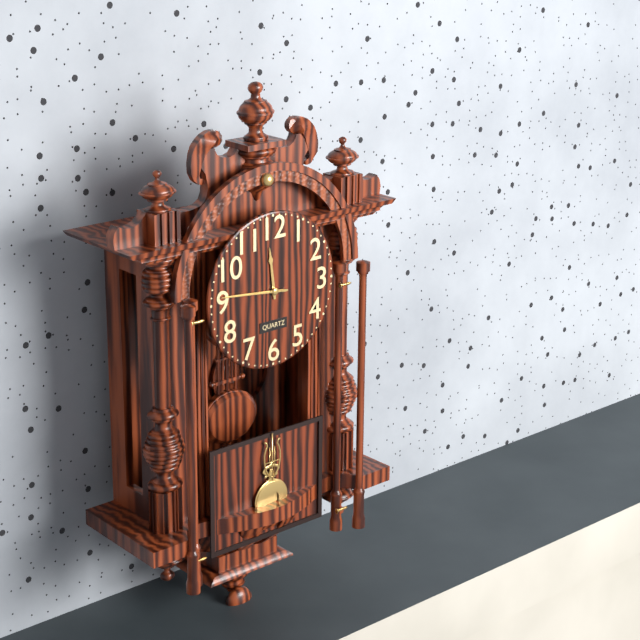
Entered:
11 h 46 min 46 s
